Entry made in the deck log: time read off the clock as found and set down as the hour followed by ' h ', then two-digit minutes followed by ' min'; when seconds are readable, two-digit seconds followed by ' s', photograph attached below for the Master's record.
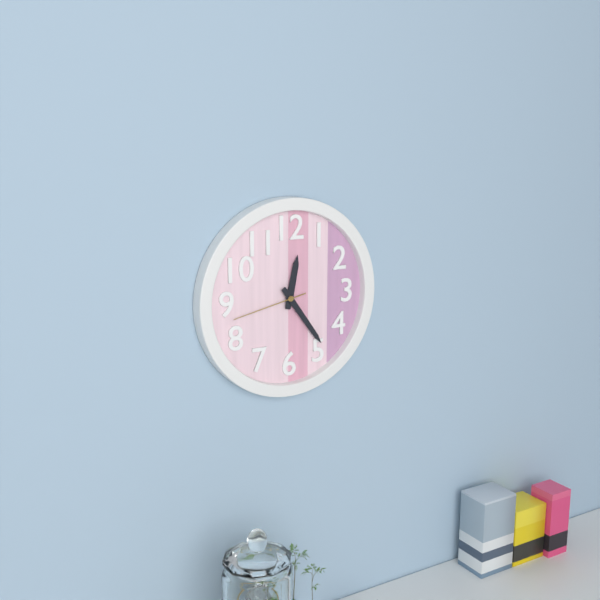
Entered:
12 h 24 min 43 s
